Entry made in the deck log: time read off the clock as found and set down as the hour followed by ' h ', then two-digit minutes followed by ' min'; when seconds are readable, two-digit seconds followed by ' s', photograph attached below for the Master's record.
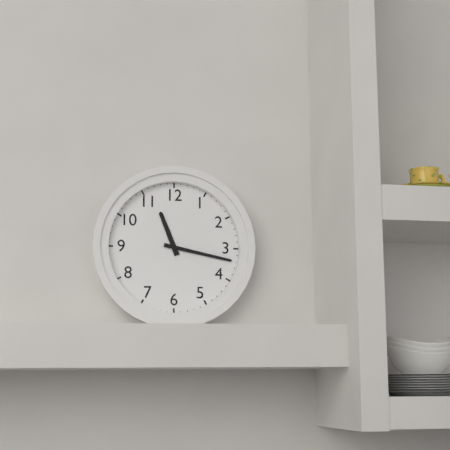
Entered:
11 h 17 min
